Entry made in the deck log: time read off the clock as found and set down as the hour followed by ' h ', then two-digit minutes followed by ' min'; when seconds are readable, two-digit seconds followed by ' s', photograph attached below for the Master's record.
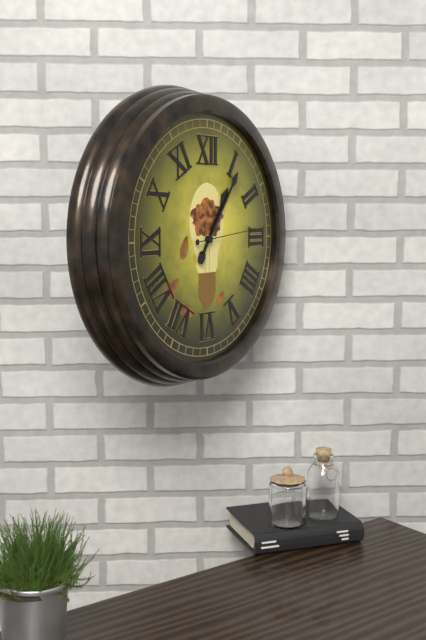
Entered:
1 h 06 min 14 s
